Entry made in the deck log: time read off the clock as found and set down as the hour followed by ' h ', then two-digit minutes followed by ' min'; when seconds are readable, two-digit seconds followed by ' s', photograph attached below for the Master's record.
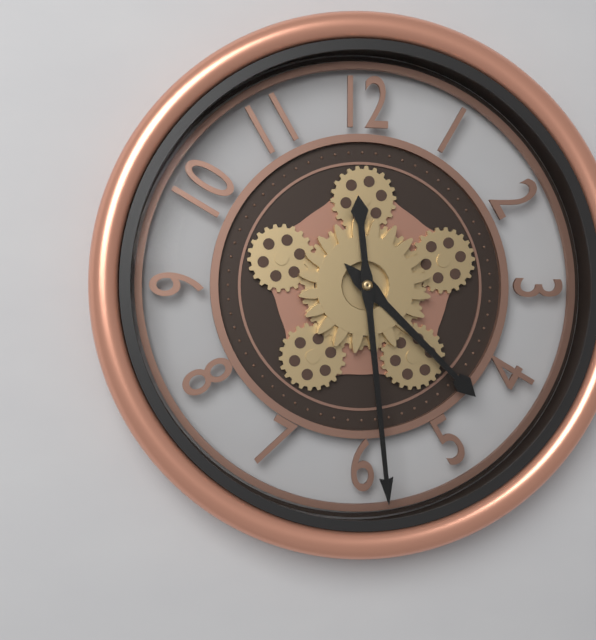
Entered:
4 h 29 min
